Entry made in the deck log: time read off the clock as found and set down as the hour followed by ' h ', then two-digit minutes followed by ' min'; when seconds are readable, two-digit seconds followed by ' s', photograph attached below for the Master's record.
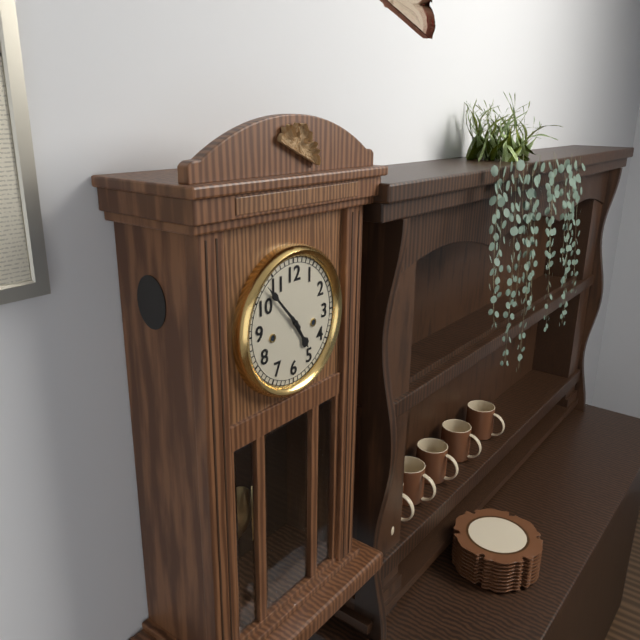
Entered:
4 h 53 min
